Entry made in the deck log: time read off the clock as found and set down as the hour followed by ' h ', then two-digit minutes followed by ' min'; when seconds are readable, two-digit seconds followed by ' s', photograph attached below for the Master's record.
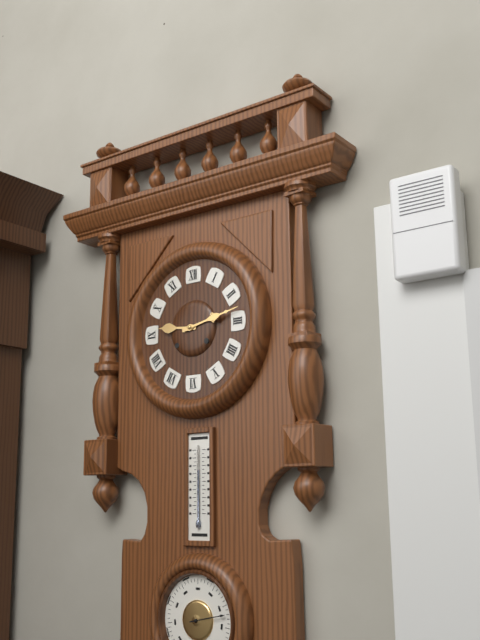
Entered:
9 h 13 min
